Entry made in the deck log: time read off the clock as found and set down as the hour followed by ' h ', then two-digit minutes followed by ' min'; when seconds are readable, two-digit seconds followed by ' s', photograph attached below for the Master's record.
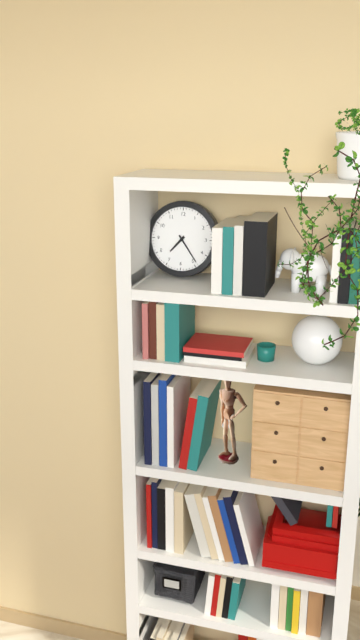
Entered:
7 h 24 min
